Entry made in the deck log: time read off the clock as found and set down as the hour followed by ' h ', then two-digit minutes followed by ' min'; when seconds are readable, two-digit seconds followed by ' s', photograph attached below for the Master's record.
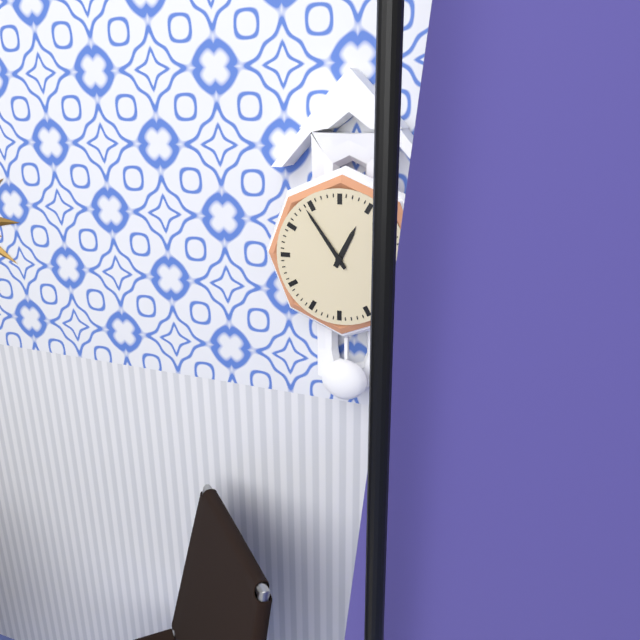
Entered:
12 h 54 min
